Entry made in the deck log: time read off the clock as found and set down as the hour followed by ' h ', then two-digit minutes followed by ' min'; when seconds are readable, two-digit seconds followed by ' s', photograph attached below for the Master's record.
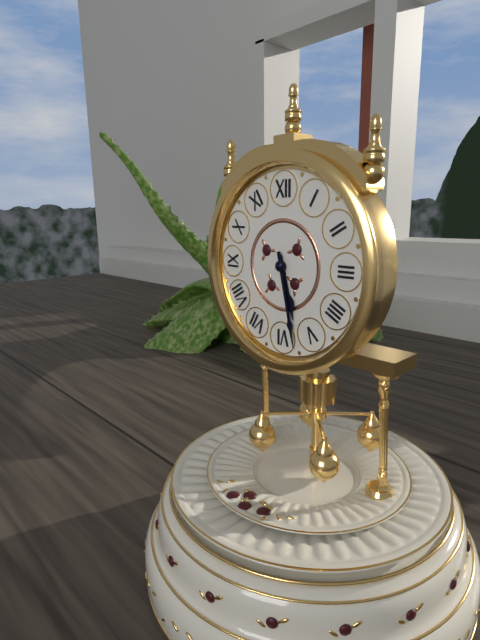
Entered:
5 h 28 min
